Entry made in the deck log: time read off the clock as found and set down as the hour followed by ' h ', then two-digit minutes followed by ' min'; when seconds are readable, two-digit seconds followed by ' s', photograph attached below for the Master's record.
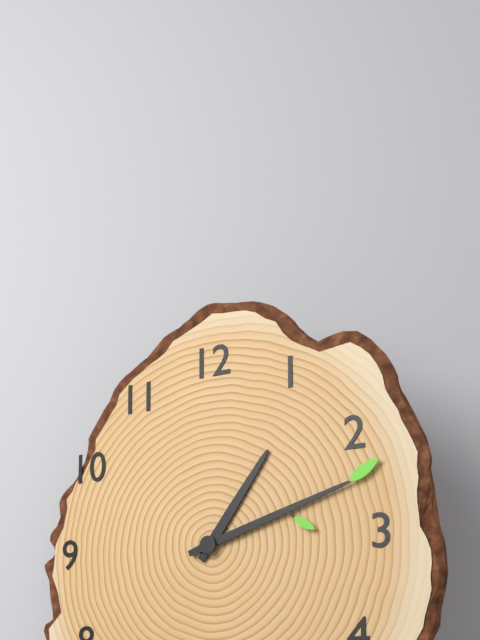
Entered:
1 h 12 min
